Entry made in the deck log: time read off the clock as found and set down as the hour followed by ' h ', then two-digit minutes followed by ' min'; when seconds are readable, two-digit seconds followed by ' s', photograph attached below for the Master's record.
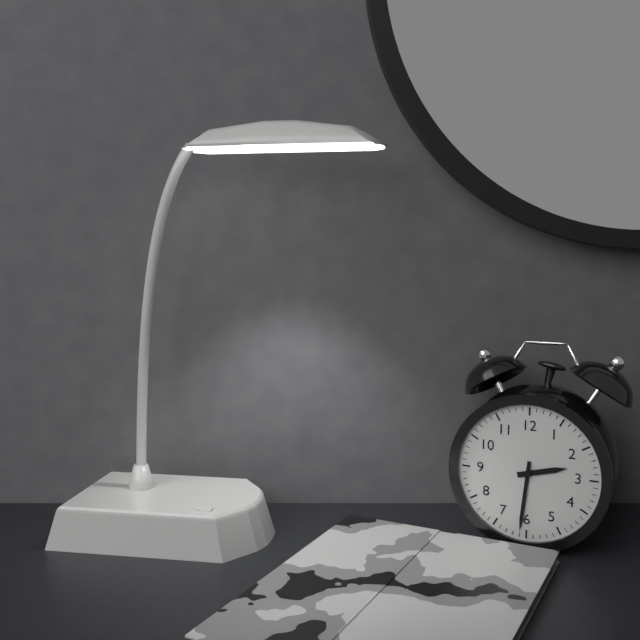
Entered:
2 h 31 min
